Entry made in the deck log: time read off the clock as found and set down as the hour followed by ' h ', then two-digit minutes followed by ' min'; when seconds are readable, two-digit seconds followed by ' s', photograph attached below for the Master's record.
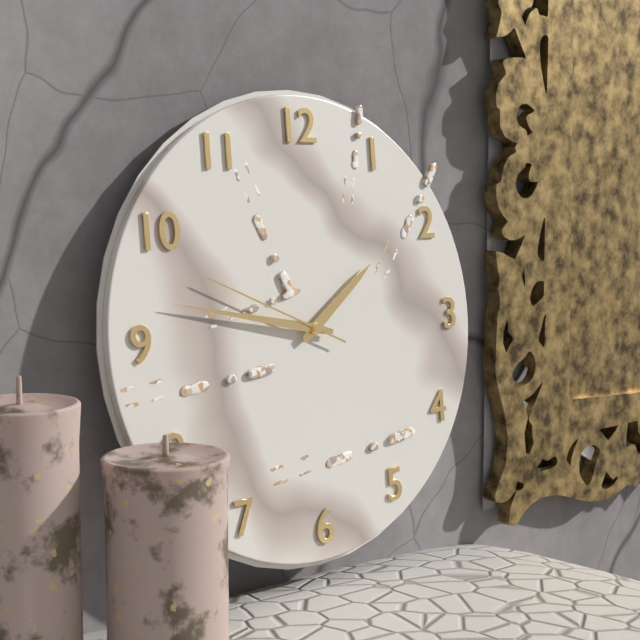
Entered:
1 h 47 min 49 s
